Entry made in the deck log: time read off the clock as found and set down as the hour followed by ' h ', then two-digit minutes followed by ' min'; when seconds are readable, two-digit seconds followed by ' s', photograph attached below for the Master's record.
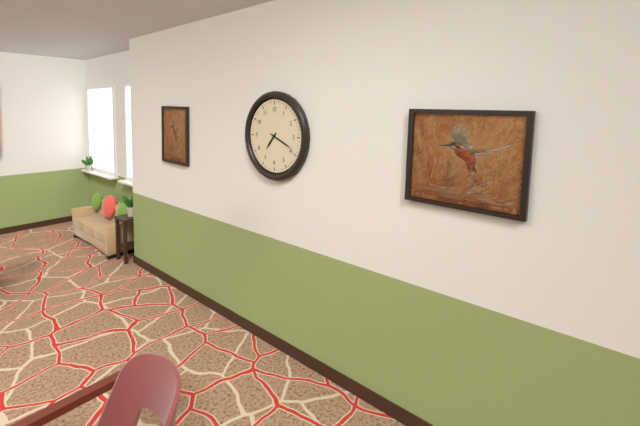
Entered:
7 h 19 min
